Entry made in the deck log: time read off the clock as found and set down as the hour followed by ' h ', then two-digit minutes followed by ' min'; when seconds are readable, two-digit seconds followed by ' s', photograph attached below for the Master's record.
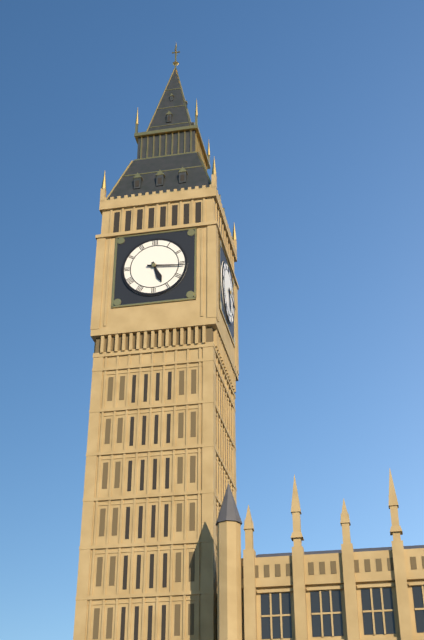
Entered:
5 h 16 min
